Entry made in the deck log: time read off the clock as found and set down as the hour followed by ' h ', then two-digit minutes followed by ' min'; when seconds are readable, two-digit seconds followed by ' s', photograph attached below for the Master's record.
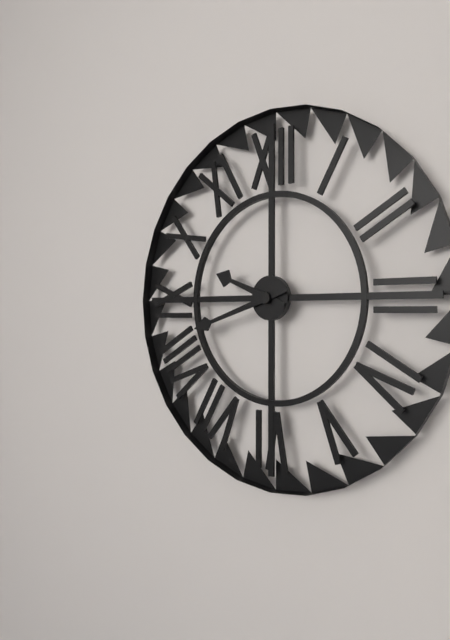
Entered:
9 h 42 min
